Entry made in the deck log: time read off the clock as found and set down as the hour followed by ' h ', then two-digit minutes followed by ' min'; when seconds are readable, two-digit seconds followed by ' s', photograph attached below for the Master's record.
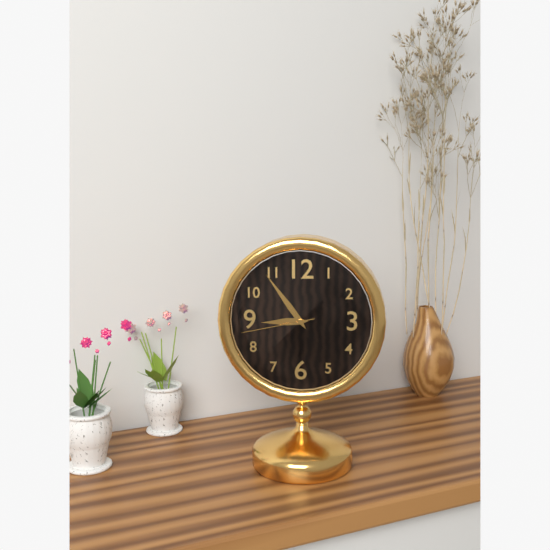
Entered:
8 h 54 min 43 s
